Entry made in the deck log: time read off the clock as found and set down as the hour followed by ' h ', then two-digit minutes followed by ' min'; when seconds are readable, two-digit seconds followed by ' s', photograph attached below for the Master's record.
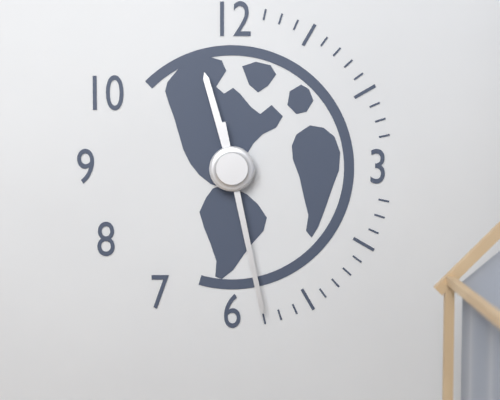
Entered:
11 h 28 min
